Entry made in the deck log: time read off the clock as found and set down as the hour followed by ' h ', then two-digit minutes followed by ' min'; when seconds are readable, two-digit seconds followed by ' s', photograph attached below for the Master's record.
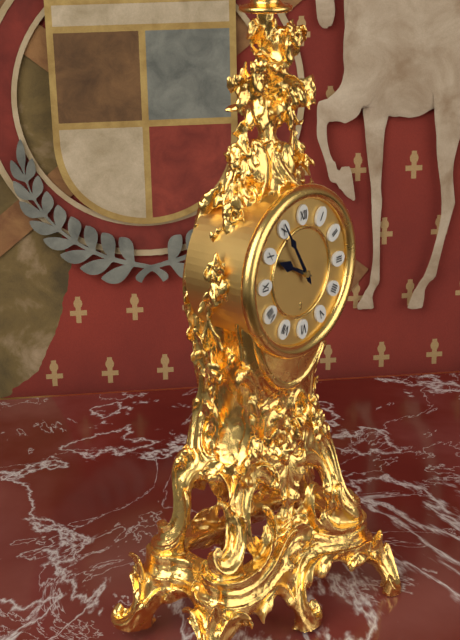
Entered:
9 h 55 min
